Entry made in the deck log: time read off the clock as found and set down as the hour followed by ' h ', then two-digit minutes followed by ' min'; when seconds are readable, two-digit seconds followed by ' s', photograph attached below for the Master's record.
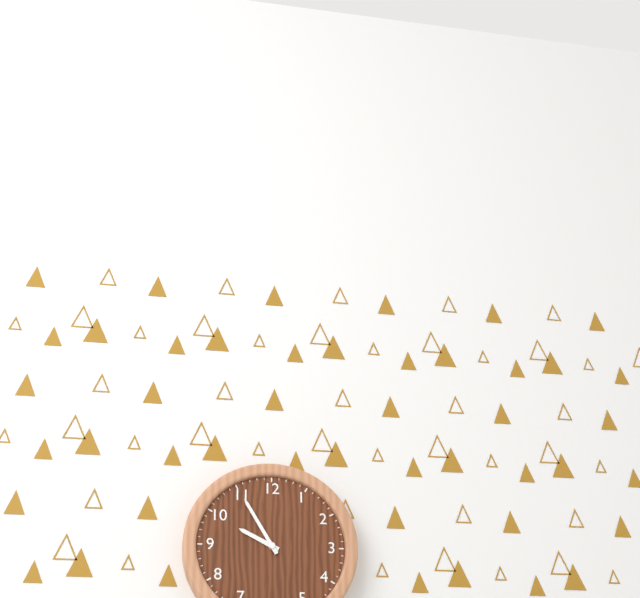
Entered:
9 h 55 min
